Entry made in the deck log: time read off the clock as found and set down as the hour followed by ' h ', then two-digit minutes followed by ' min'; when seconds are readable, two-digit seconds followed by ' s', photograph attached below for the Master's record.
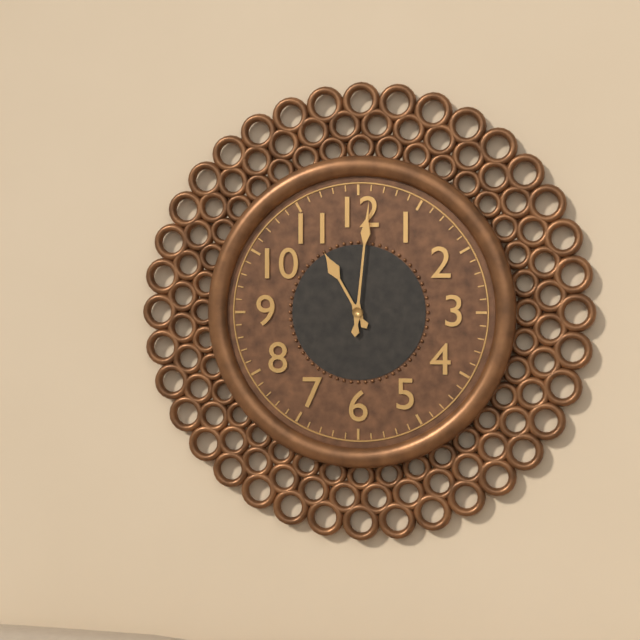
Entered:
11 h 01 min
